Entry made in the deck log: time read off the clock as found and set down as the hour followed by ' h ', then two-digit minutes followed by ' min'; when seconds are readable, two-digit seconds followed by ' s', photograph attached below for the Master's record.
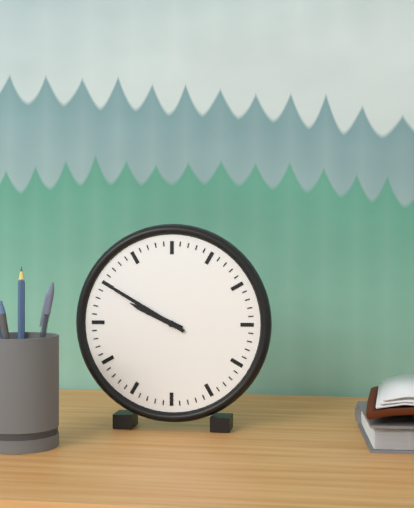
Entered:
9 h 50 min
